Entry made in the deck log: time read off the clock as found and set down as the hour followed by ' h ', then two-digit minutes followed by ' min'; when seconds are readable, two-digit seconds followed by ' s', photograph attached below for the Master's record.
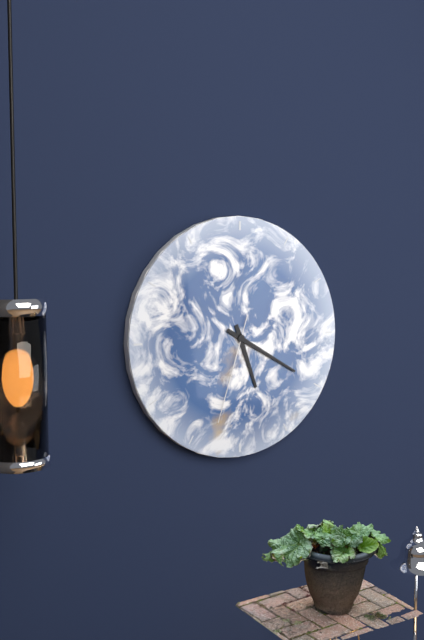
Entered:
5 h 20 min 33 s
